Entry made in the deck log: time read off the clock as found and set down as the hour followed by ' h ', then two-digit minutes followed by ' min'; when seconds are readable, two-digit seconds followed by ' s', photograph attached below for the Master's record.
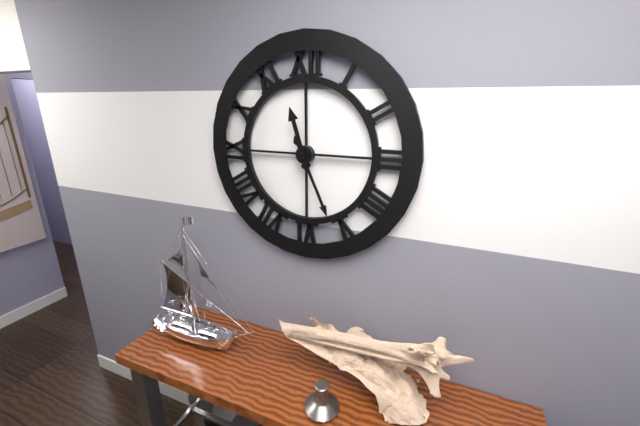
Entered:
11 h 26 min
